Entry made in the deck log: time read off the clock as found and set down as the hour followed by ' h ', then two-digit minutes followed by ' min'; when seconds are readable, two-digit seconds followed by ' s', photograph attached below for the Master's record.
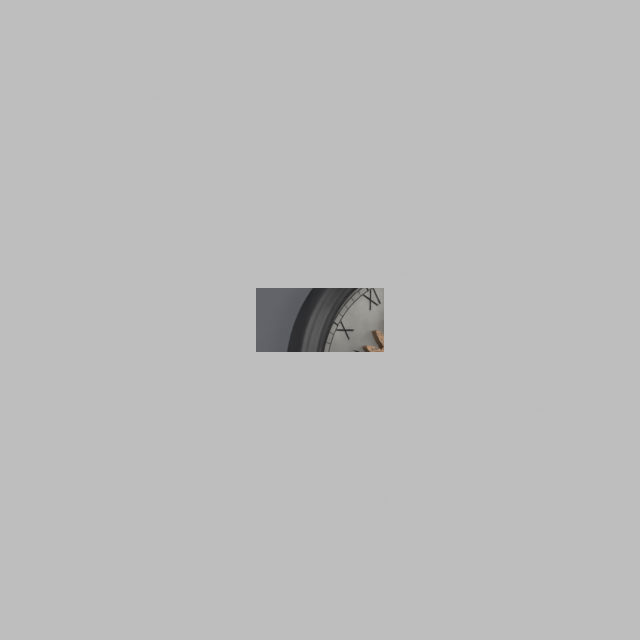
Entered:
12 h 48 min
